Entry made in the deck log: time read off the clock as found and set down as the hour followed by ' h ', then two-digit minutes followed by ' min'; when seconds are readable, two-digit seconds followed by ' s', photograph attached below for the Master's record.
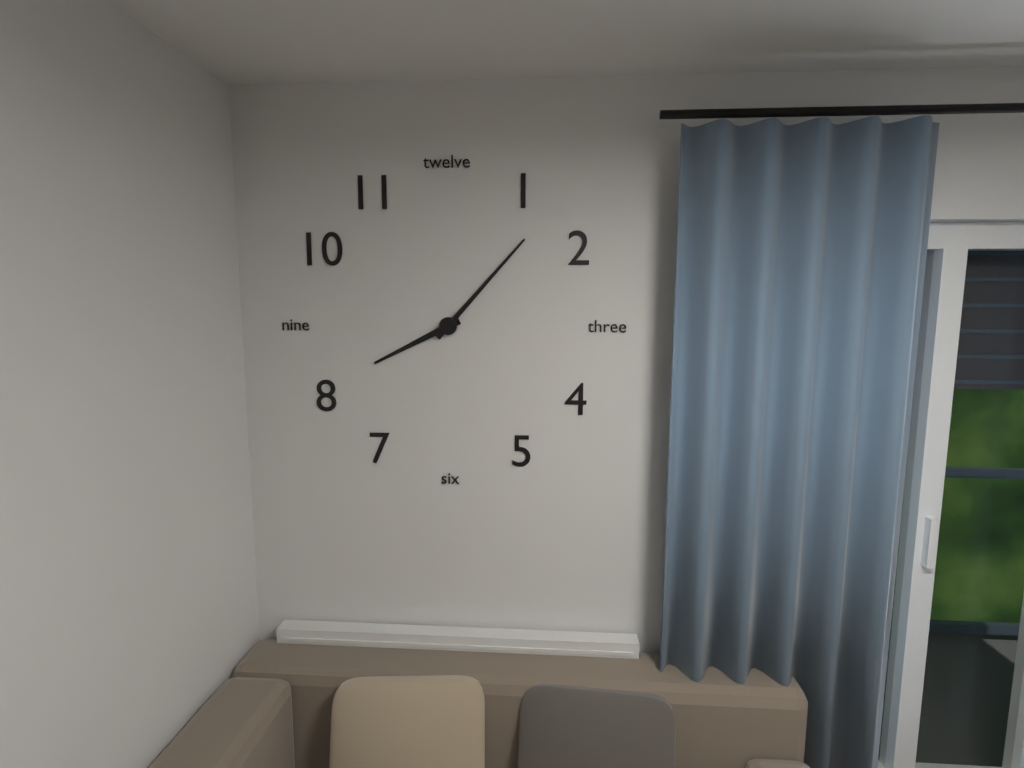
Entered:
8 h 07 min
